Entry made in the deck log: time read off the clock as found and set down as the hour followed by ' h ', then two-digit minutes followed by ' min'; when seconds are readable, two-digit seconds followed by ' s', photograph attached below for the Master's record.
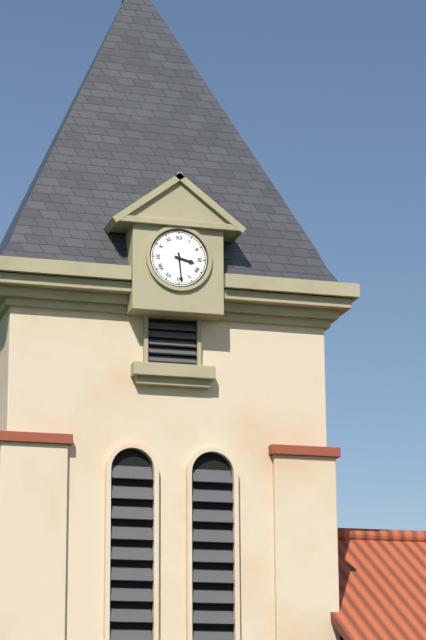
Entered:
3 h 29 min
